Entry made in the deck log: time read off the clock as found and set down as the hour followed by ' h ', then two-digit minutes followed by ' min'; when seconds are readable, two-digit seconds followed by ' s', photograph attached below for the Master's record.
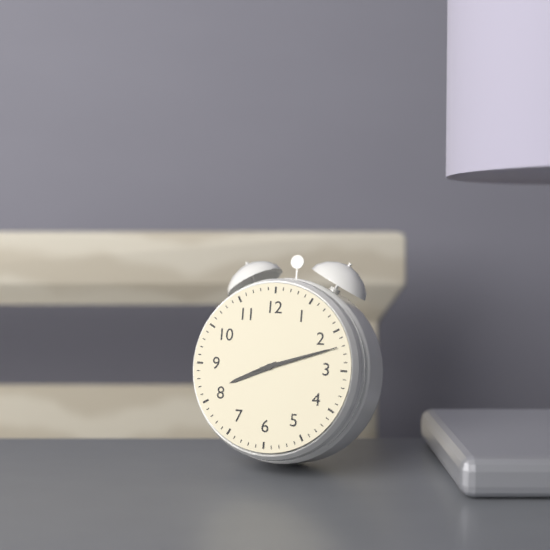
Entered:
8 h 12 min 12 s
